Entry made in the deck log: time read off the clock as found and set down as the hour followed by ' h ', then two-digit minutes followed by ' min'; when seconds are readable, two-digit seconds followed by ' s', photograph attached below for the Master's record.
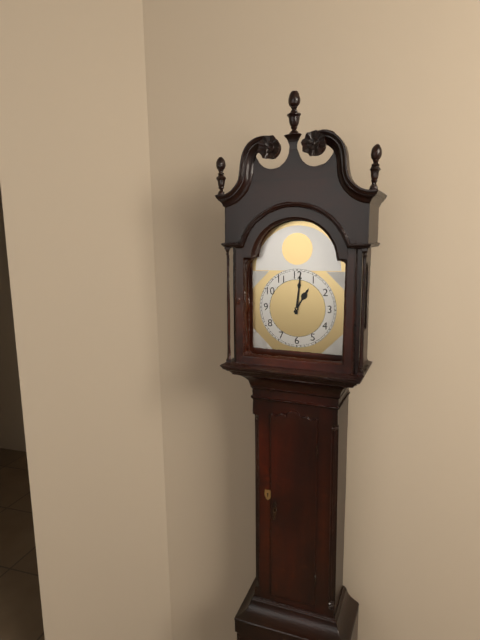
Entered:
1 h 01 min
